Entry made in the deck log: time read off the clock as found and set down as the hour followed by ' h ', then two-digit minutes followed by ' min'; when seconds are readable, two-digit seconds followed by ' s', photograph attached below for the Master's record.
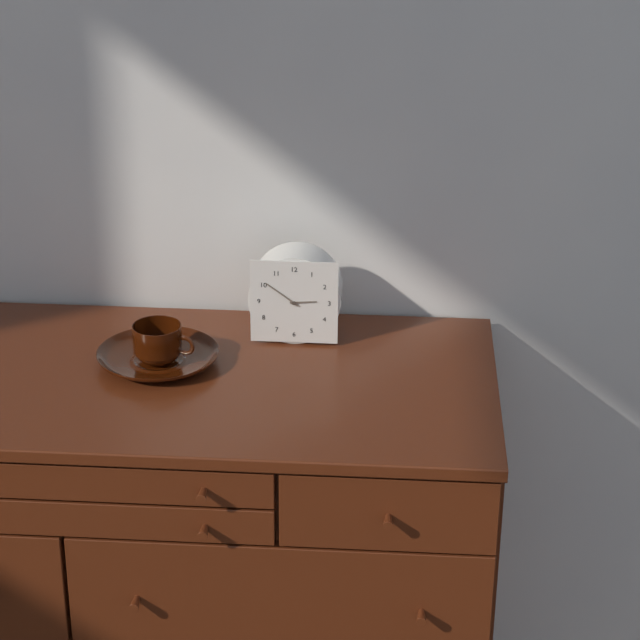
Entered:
2 h 51 min
